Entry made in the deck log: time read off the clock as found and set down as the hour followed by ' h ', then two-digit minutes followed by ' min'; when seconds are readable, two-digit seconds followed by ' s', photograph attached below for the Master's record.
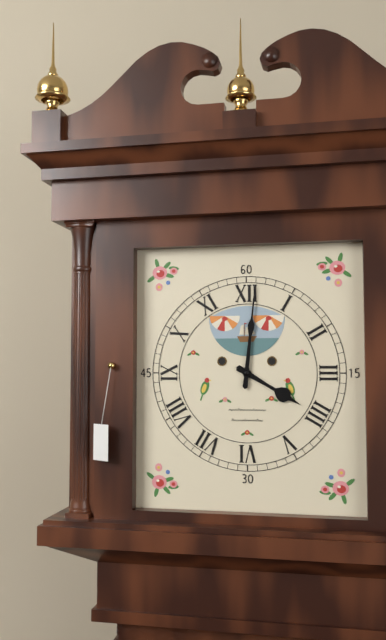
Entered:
4 h 01 min
